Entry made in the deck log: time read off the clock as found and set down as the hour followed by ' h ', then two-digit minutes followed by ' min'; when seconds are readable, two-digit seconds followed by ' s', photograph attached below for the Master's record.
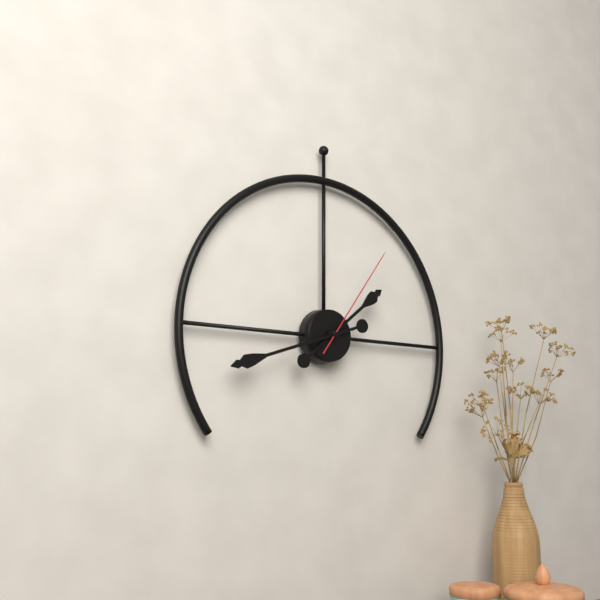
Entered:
1 h 42 min 06 s
